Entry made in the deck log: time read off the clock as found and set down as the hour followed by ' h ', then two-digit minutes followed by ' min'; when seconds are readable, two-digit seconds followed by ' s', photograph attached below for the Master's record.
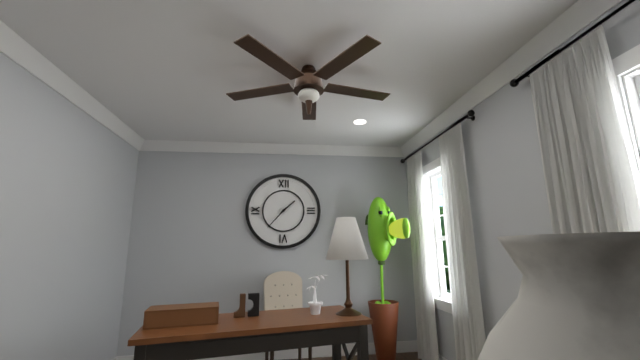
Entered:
1 h 37 min
